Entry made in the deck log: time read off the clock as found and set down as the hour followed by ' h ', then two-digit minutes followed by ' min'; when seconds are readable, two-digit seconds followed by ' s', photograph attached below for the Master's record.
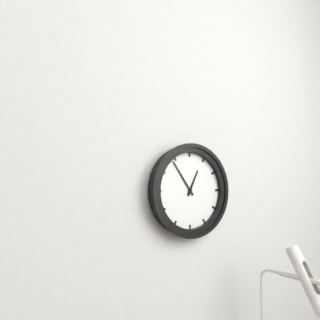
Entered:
12 h 54 min
